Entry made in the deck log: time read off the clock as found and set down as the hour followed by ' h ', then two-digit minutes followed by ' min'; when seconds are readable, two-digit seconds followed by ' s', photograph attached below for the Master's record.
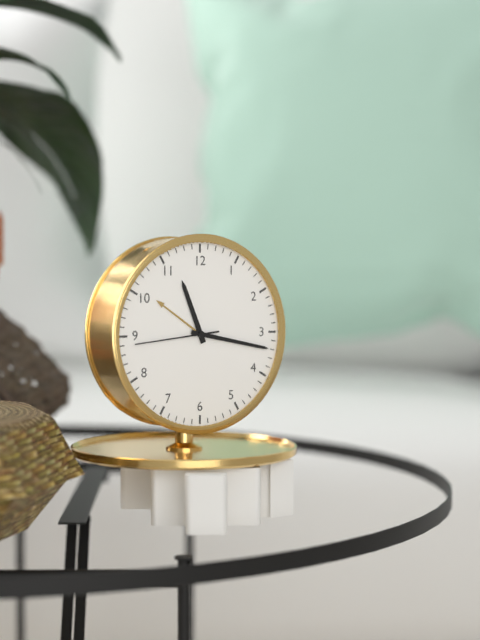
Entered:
11 h 17 min 44 s
